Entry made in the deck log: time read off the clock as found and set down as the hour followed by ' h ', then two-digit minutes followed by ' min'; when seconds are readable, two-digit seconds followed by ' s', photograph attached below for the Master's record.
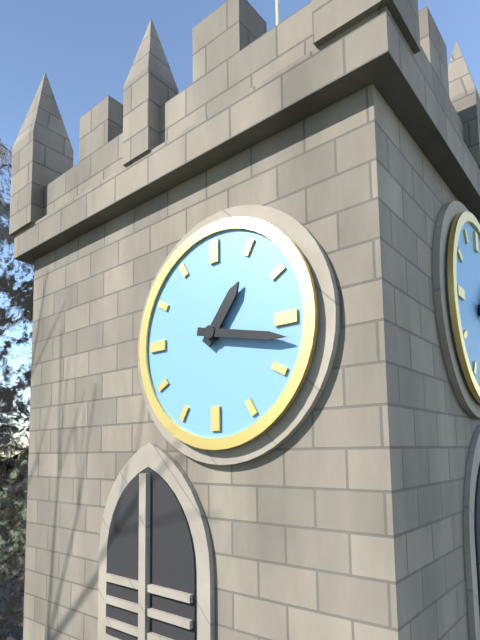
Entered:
1 h 17 min
